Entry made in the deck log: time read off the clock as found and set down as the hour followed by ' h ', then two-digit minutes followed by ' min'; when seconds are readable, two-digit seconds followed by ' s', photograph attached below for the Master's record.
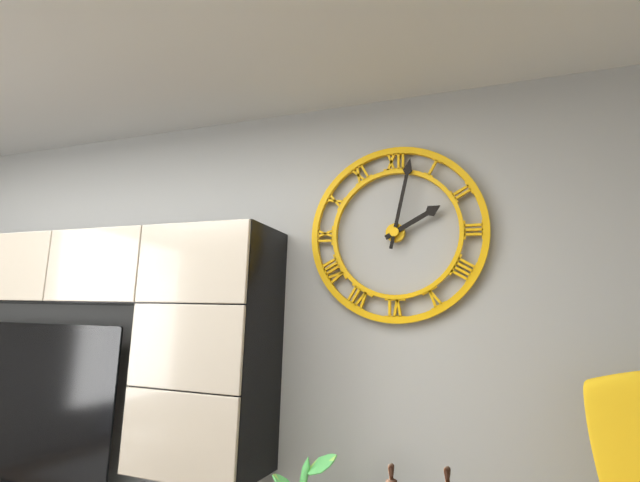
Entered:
2 h 02 min
